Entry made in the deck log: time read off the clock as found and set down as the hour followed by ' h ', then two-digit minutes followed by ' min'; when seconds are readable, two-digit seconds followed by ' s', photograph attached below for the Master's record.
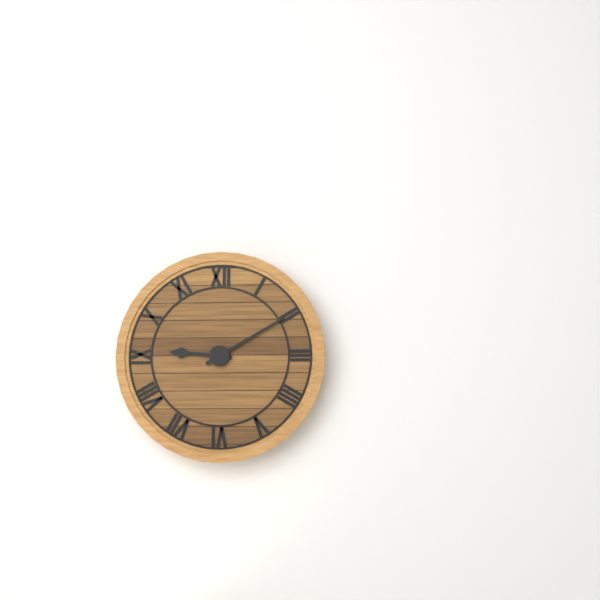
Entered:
9 h 10 min
